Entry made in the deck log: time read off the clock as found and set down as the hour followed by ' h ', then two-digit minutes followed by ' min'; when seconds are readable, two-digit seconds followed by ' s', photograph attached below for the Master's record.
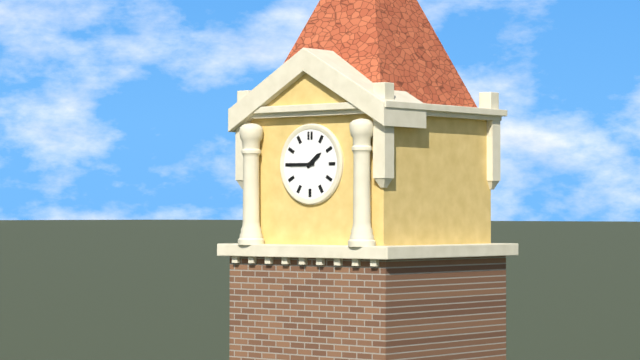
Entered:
1 h 45 min
